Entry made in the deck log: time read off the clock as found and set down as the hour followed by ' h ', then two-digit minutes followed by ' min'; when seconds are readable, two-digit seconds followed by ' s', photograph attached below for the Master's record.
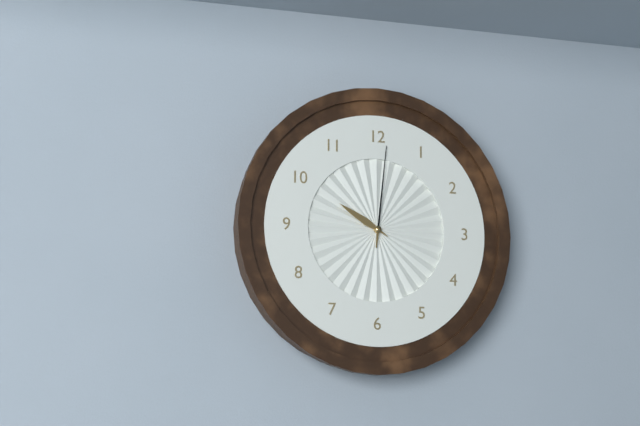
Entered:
10 h 01 min
